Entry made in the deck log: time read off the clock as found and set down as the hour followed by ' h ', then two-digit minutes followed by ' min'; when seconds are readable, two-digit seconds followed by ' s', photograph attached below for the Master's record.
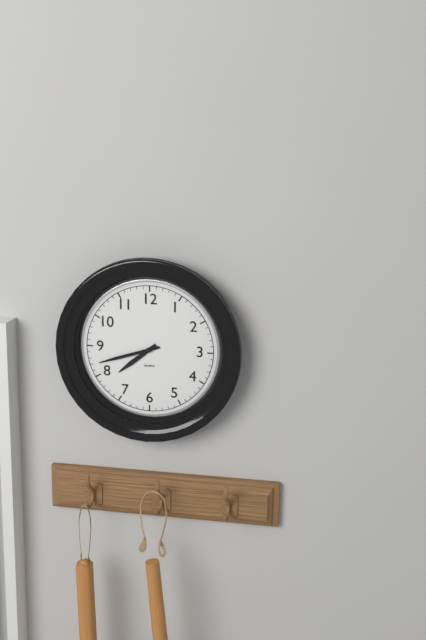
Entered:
7 h 42 min
